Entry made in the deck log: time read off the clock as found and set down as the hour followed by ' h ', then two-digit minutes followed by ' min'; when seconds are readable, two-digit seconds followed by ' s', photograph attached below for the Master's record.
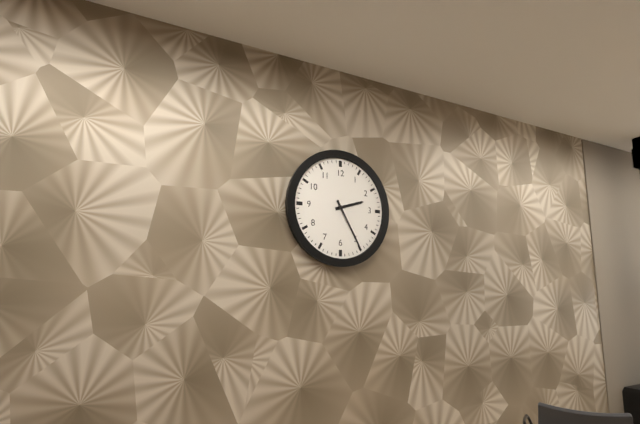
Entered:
2 h 25 min
